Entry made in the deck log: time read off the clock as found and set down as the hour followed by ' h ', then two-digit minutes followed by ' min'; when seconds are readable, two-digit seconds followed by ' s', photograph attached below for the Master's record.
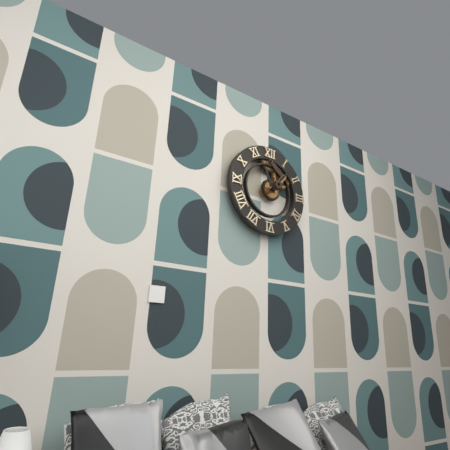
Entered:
11 h 07 min
